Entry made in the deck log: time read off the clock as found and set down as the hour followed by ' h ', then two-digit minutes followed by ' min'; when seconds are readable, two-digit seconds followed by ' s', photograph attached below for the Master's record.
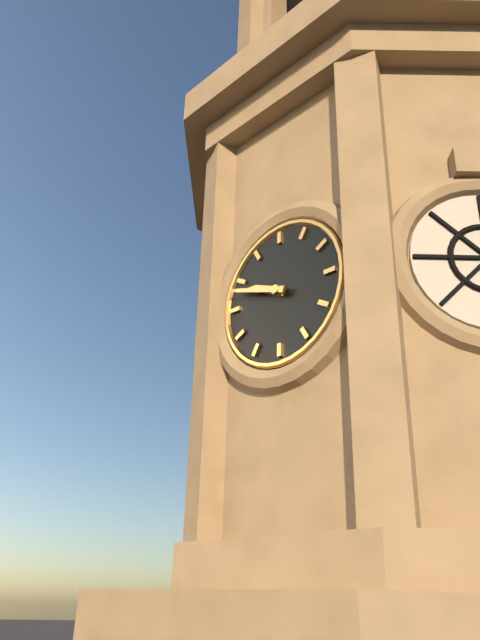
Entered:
9 h 48 min
